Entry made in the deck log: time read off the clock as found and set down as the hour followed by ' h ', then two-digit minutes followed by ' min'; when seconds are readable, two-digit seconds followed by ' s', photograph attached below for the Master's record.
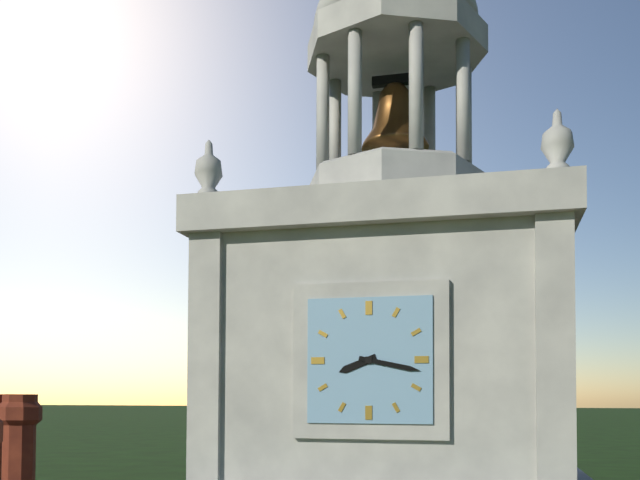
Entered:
8 h 17 min
